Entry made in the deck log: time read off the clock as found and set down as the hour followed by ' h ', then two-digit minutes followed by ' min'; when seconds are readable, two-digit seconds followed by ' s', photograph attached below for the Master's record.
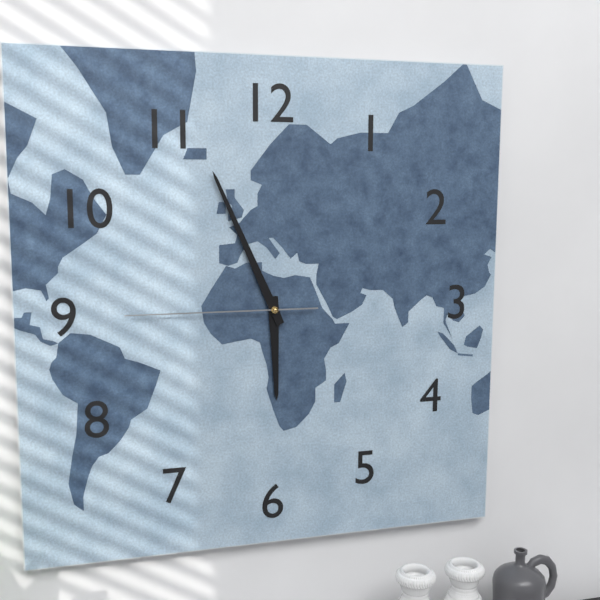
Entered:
5 h 56 min 45 s
